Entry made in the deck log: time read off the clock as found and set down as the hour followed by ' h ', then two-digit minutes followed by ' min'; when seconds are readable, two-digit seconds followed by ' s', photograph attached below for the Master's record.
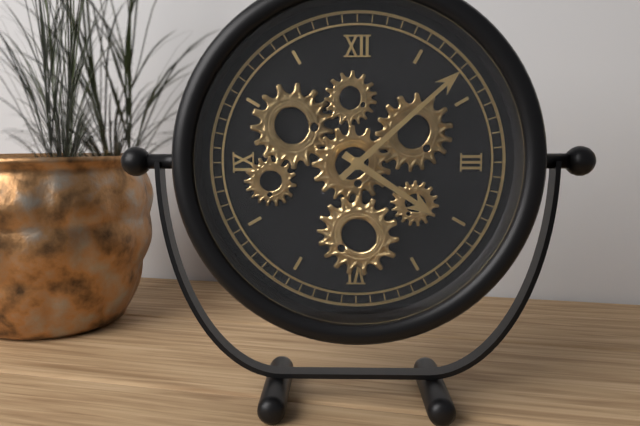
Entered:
4 h 08 min
